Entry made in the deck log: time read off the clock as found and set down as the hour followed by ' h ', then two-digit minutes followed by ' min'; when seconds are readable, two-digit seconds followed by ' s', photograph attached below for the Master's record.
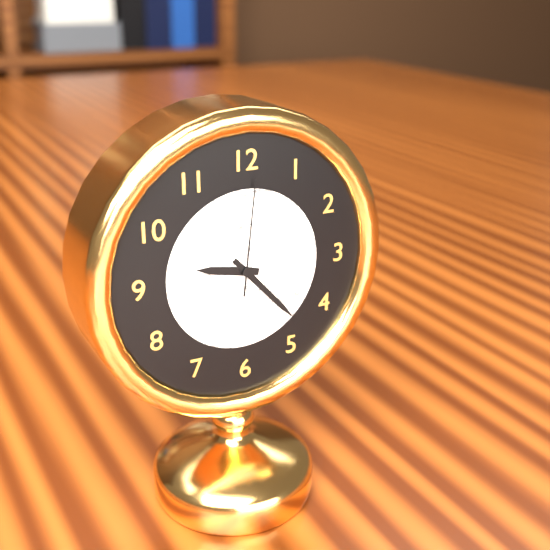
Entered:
9 h 23 min 01 s
